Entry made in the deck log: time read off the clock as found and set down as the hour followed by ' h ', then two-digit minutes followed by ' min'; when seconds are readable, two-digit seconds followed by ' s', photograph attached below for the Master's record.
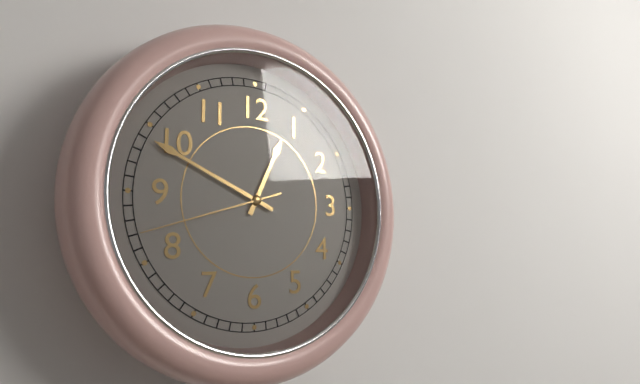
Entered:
12 h 49 min 42 s
